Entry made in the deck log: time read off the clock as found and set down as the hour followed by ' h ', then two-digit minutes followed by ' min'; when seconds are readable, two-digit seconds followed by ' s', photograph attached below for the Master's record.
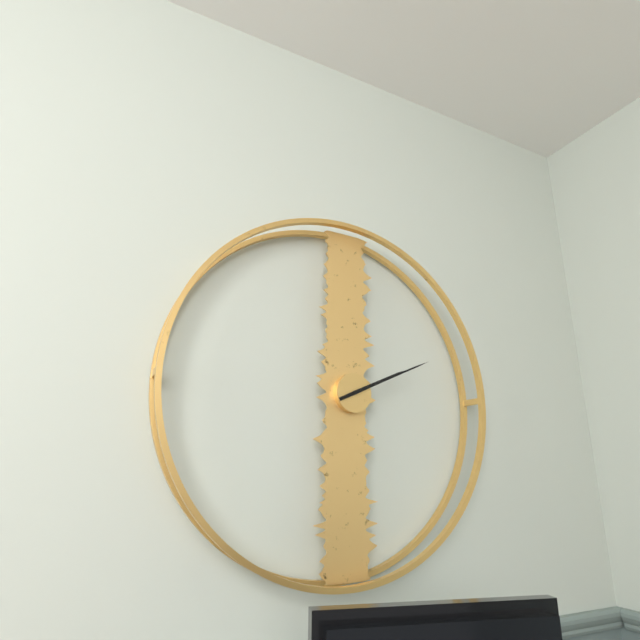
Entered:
2 h 11 min
